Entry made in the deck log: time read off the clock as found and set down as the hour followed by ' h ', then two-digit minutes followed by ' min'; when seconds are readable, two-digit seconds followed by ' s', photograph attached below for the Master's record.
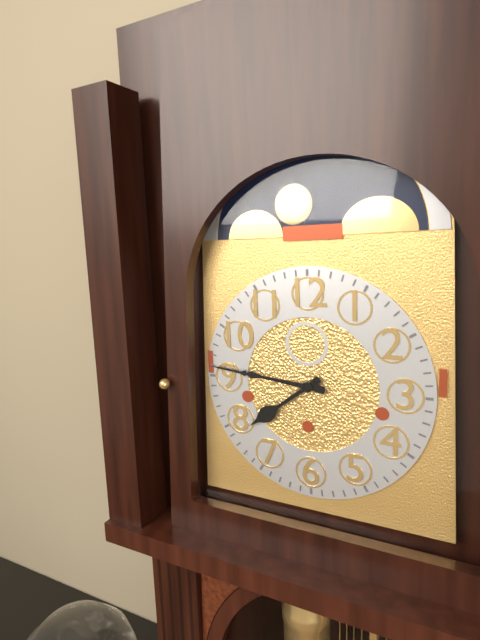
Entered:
7 h 46 min
